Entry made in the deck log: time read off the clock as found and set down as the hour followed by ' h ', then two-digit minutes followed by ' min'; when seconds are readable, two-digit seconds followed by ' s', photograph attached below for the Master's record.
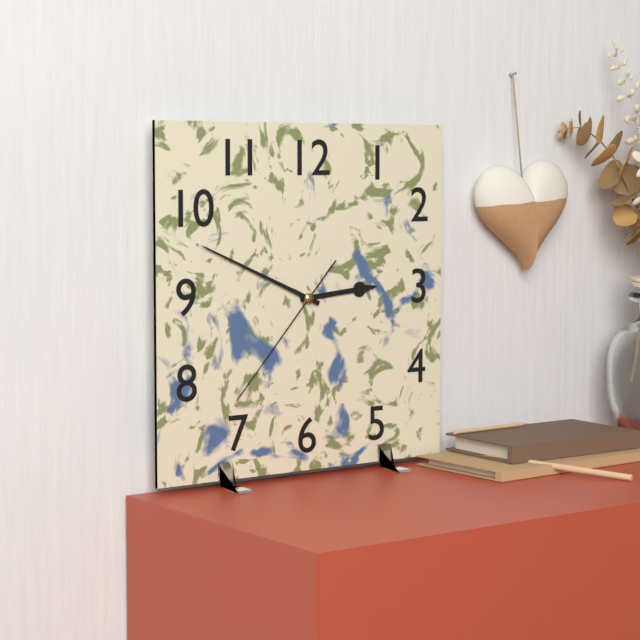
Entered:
2 h 49 min 37 s
